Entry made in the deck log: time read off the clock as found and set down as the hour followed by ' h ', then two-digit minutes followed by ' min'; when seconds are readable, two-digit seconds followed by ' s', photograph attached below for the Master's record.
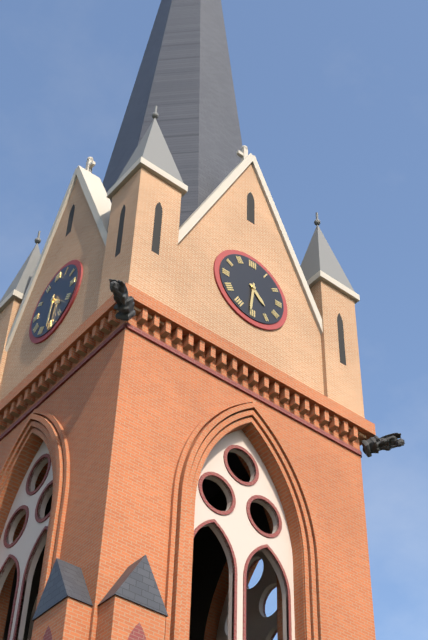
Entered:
4 h 31 min
